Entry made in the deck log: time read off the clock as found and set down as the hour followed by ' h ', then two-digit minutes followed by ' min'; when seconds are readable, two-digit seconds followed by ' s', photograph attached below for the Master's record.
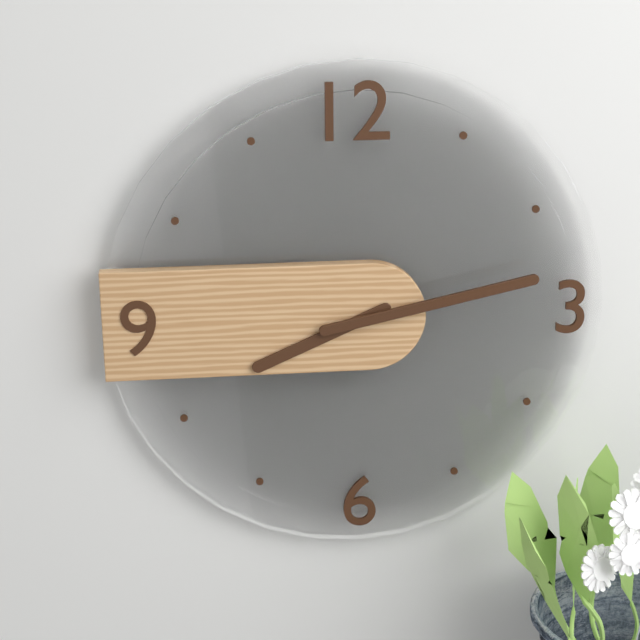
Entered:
8 h 13 min
